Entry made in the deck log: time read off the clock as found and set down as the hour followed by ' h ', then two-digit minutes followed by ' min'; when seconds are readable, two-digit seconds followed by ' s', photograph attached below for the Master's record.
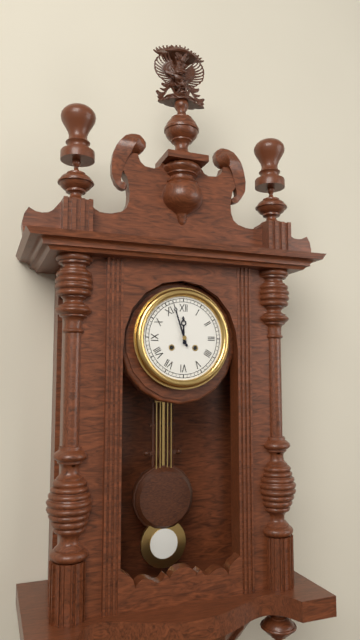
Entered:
11 h 57 min
